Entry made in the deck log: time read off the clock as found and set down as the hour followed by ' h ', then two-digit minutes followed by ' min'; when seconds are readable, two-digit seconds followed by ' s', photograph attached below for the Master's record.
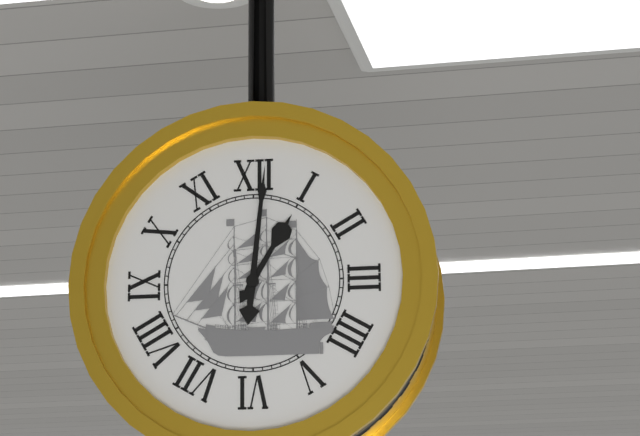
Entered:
1 h 01 min
